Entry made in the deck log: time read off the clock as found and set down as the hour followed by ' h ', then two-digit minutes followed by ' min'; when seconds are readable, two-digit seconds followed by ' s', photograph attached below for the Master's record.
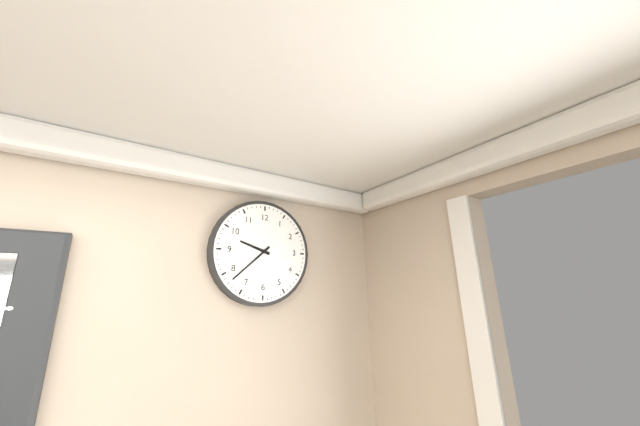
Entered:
9 h 38 min
